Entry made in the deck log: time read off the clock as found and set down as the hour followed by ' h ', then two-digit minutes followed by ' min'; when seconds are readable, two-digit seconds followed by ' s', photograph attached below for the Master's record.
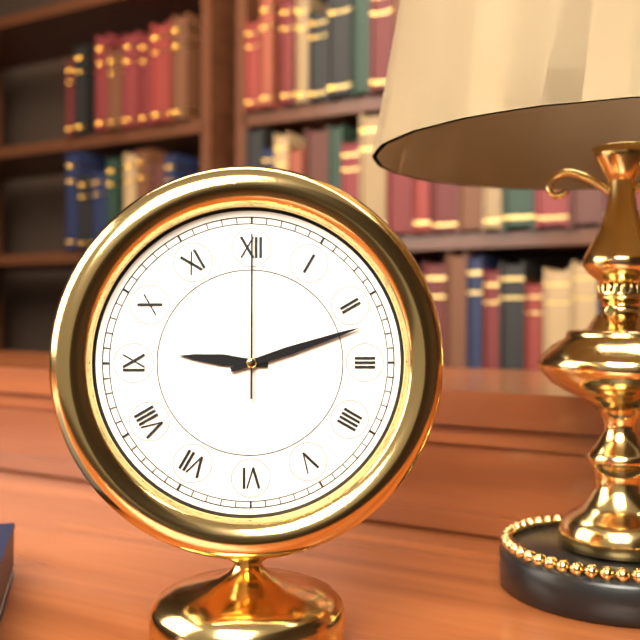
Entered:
9 h 12 min 00 s
